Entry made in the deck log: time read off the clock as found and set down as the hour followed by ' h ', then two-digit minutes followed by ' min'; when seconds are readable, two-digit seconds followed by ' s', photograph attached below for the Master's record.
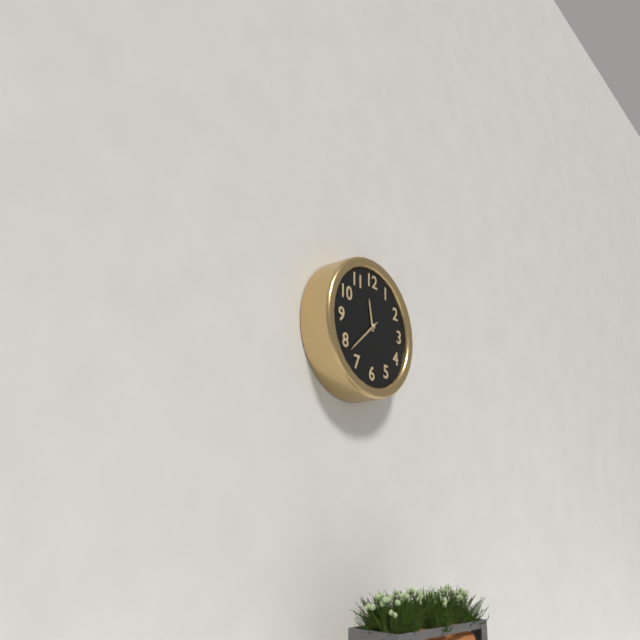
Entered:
11 h 38 min
